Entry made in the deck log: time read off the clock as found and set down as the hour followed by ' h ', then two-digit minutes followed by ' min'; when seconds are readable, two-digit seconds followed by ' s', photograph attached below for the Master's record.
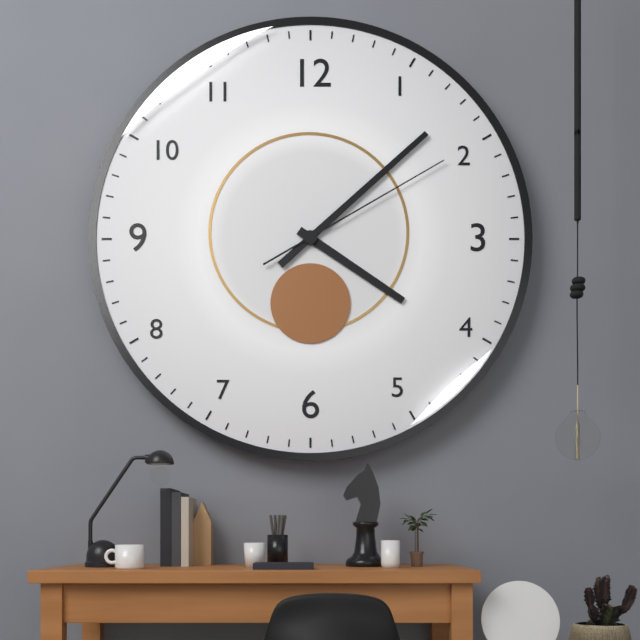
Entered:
4 h 08 min 10 s
